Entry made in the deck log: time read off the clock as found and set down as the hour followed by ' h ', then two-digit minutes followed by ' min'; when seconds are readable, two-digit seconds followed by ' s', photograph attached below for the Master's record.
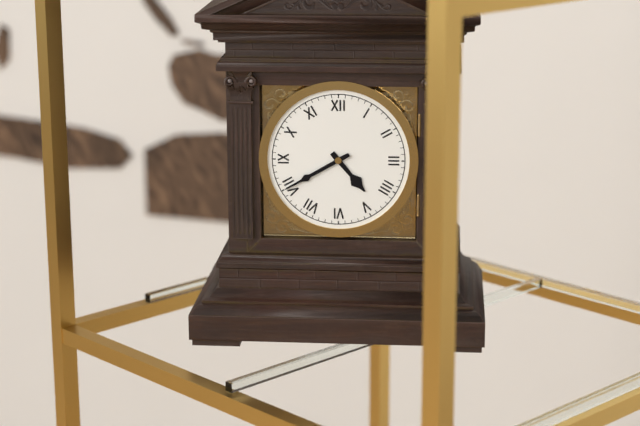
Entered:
4 h 40 min
